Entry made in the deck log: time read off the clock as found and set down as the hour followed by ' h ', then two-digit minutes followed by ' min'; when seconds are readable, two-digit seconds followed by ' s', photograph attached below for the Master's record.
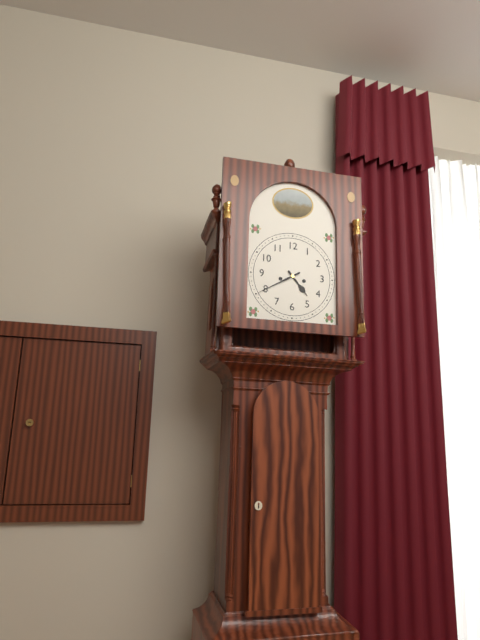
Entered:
4 h 40 min
